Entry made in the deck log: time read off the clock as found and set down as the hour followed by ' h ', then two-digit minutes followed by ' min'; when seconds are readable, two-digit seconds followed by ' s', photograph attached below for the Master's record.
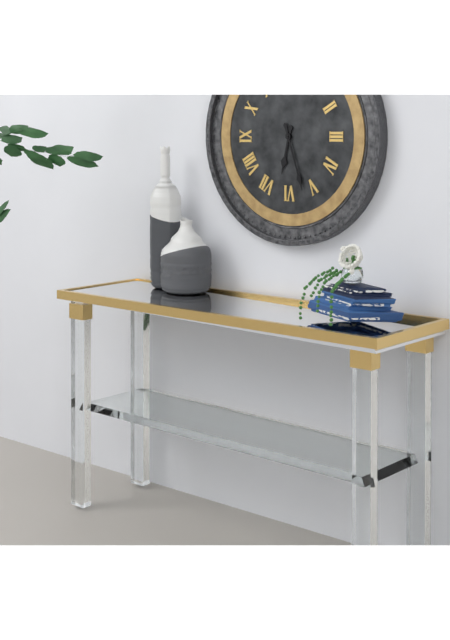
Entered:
6 h 27 min
